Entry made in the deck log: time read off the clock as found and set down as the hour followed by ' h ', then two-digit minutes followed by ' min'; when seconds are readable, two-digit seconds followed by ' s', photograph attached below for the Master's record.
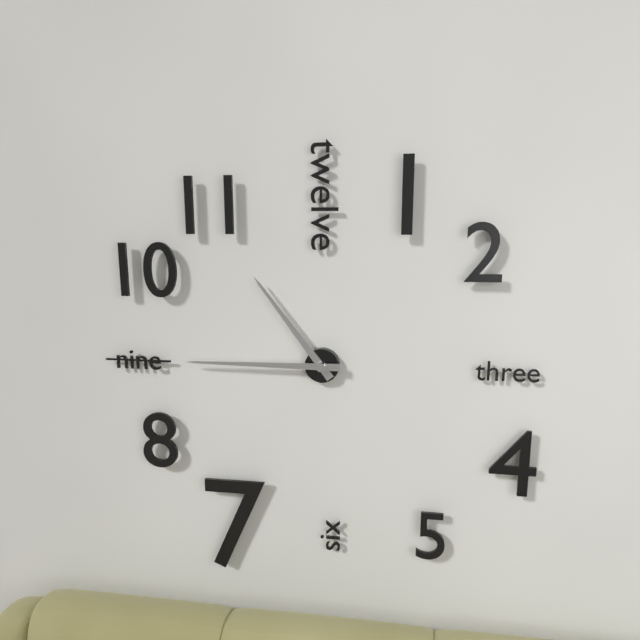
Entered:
10 h 45 min
